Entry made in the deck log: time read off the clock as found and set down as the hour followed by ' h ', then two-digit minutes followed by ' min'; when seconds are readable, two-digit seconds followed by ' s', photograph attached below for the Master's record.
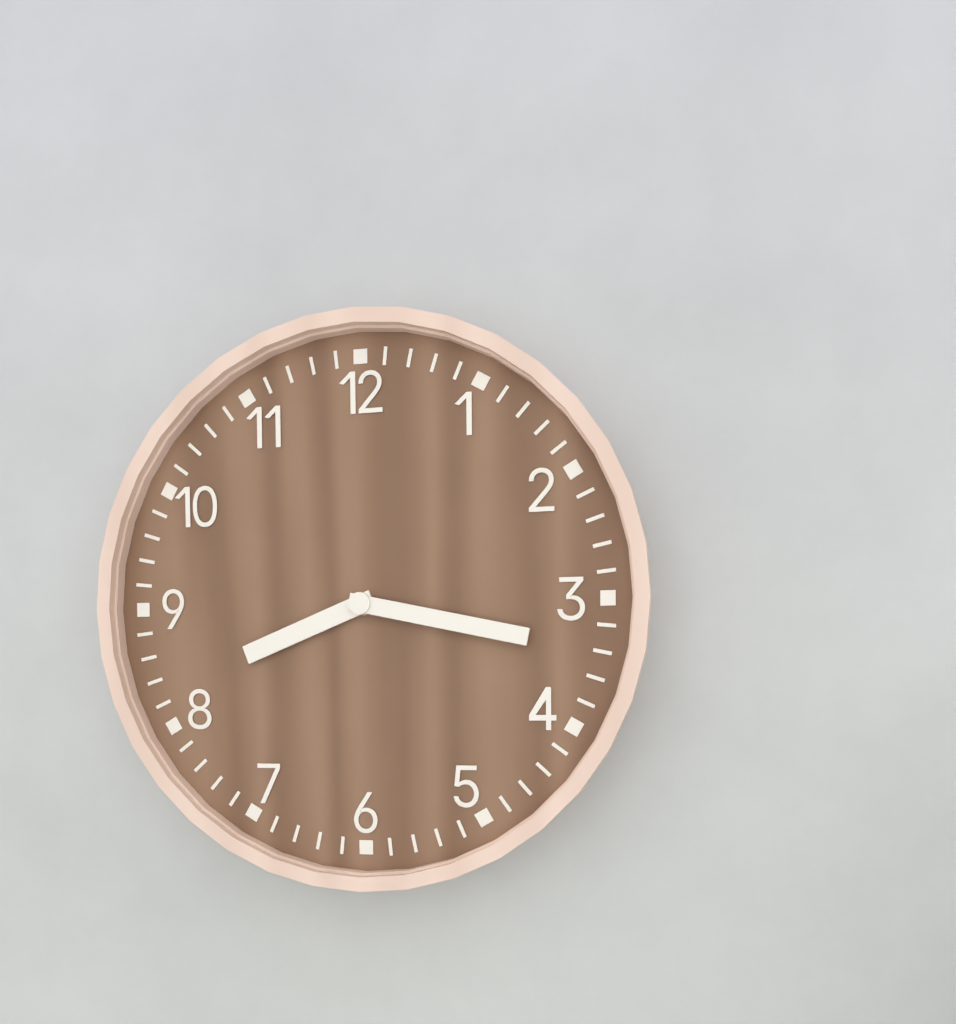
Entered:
8 h 17 min
